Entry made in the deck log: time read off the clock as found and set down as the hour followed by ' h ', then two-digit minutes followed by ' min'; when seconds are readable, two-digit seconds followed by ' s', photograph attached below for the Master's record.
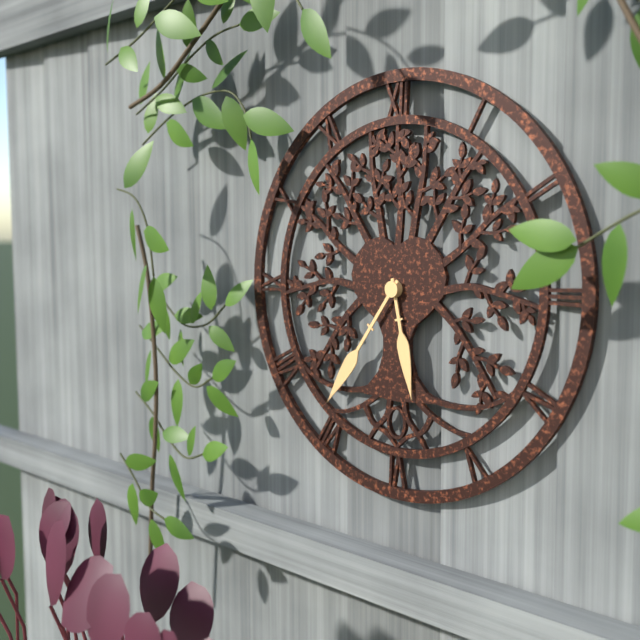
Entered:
5 h 36 min
